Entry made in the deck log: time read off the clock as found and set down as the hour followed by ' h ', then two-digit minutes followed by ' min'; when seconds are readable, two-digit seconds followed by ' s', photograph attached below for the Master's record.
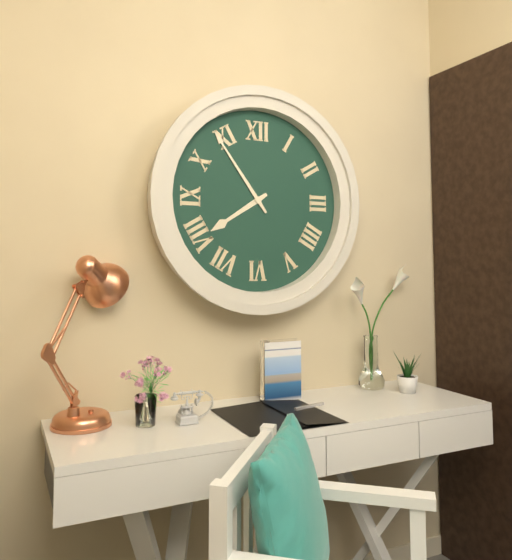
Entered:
7 h 54 min
